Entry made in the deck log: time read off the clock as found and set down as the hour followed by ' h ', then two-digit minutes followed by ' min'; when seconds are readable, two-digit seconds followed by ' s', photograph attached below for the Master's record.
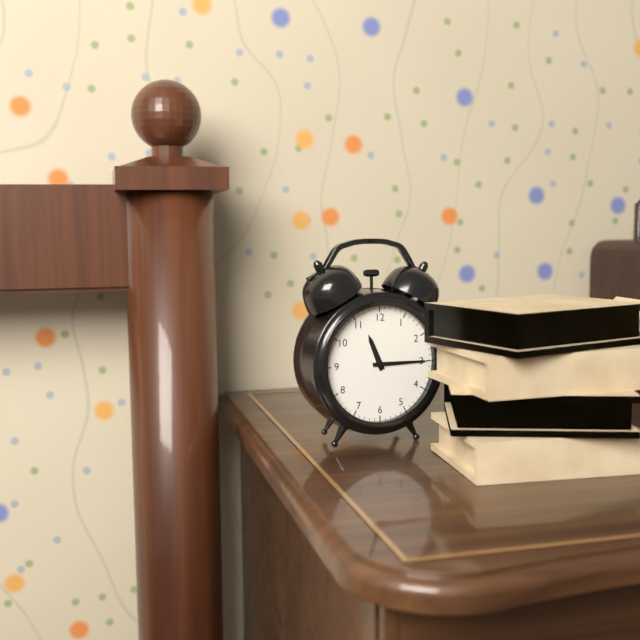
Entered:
11 h 15 min
